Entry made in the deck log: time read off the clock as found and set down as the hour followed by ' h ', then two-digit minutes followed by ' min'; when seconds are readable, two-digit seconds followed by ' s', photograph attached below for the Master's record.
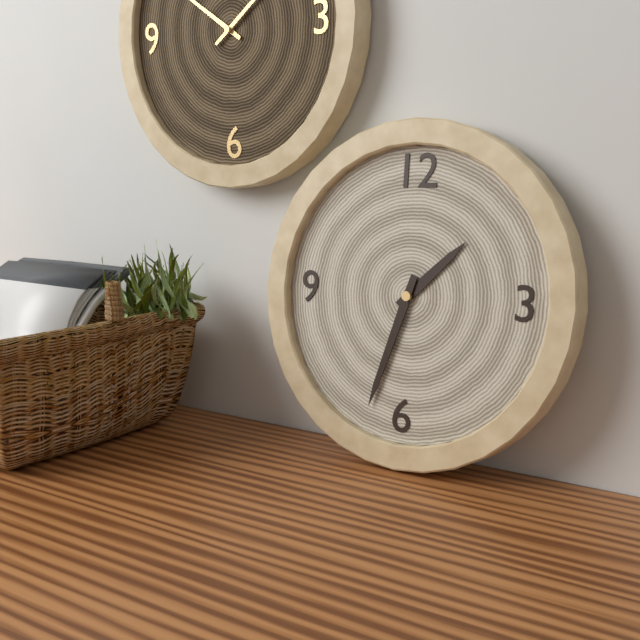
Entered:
1 h 33 min
